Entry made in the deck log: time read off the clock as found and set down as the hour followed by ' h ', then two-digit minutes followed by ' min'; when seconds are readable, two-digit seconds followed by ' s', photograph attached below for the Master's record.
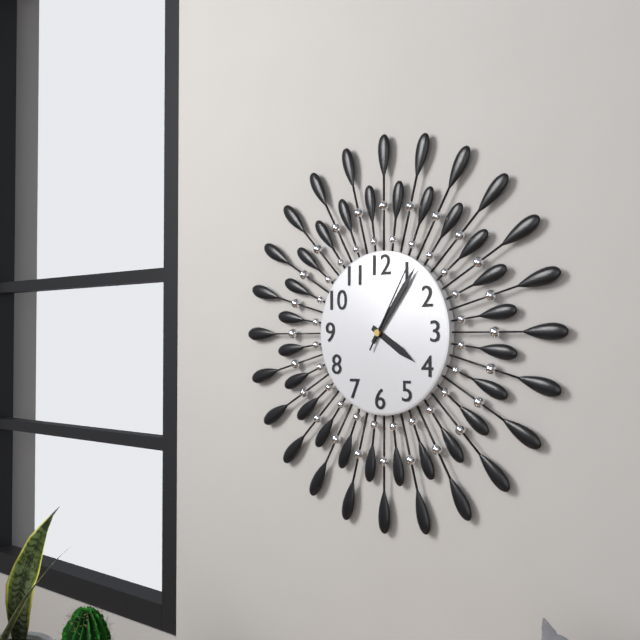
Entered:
4 h 06 min 05 s
